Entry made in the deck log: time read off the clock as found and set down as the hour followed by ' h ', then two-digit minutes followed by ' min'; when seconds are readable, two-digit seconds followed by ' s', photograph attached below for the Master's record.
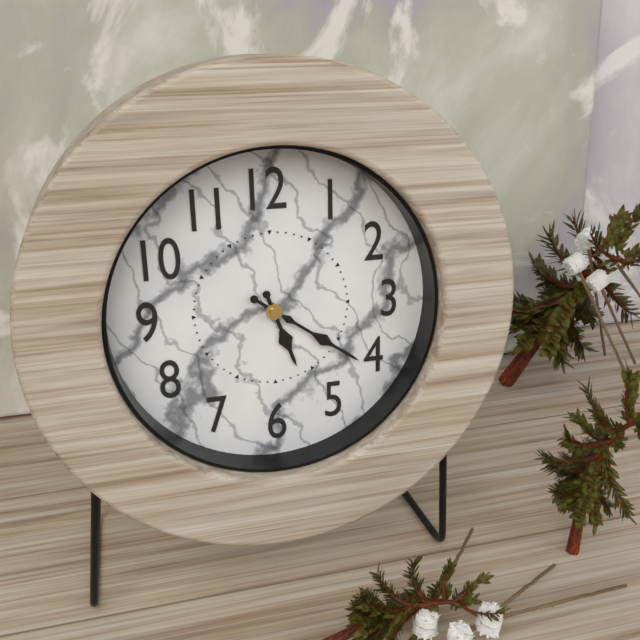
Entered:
5 h 21 min
